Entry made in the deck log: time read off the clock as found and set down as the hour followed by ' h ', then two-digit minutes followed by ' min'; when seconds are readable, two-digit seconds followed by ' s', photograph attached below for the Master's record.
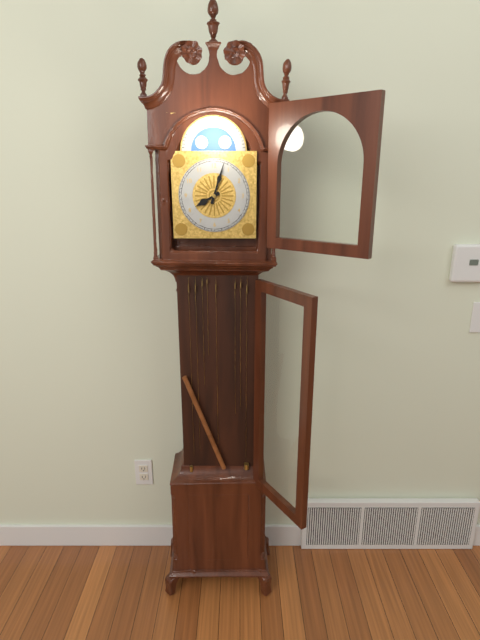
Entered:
8 h 03 min
